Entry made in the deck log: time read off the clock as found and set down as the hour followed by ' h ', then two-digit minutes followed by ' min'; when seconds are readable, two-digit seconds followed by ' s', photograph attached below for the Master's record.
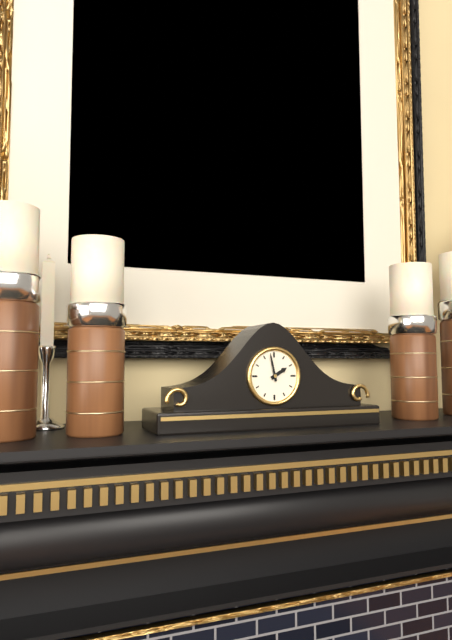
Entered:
1 h 58 min
